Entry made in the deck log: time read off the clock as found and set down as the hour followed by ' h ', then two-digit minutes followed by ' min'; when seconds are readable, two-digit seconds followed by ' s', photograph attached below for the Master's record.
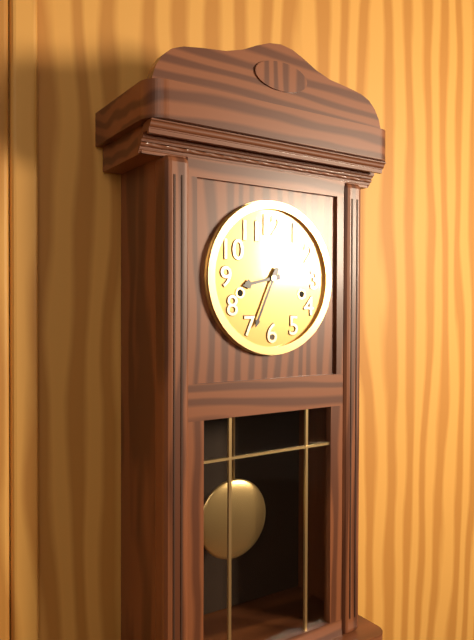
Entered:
8 h 34 min
